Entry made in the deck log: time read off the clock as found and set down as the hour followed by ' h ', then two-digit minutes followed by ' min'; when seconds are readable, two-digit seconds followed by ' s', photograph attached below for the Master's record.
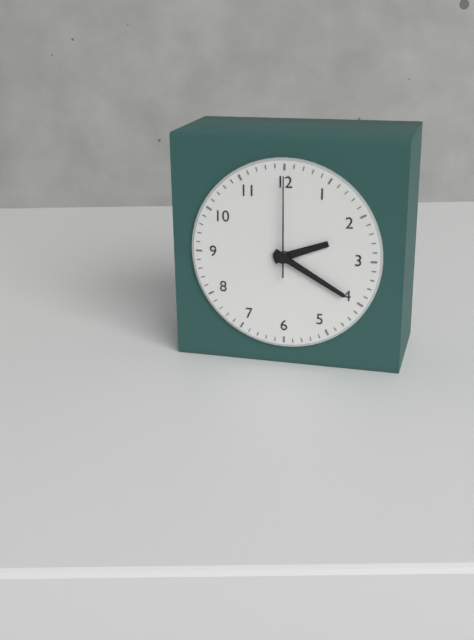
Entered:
2 h 20 min 00 s
